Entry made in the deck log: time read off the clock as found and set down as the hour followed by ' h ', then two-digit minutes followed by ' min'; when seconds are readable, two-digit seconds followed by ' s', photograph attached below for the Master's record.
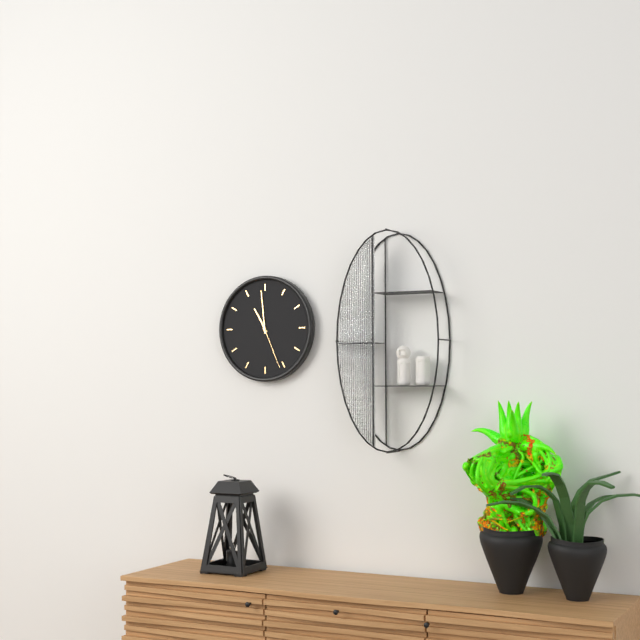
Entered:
10 h 59 min 26 s
